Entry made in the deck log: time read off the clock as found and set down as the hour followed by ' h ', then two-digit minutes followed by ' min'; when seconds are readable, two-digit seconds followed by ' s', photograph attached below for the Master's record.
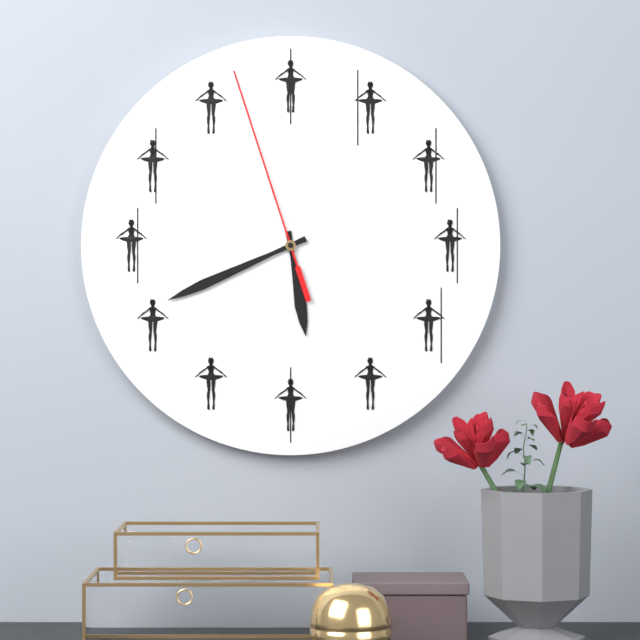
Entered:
5 h 41 min 57 s
